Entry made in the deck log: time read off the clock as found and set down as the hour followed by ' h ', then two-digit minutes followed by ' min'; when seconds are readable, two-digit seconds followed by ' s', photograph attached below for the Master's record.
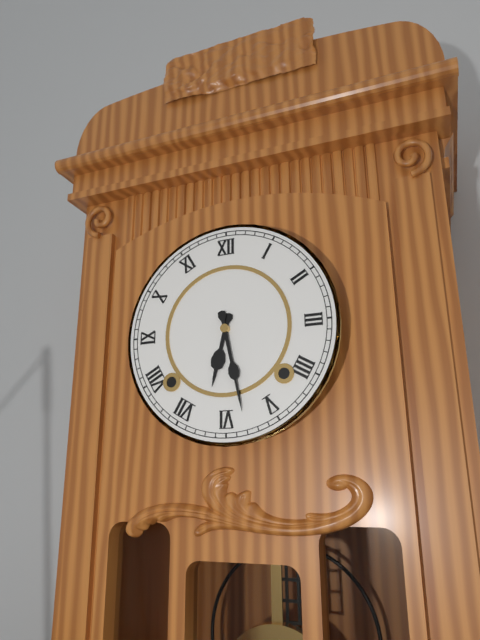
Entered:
6 h 28 min
